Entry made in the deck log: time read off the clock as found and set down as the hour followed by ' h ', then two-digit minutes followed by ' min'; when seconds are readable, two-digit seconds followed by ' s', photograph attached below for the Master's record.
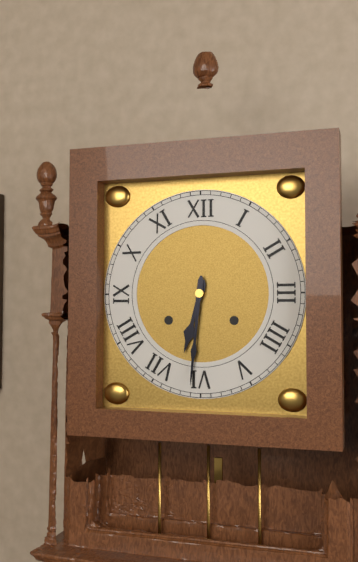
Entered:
6 h 31 min
